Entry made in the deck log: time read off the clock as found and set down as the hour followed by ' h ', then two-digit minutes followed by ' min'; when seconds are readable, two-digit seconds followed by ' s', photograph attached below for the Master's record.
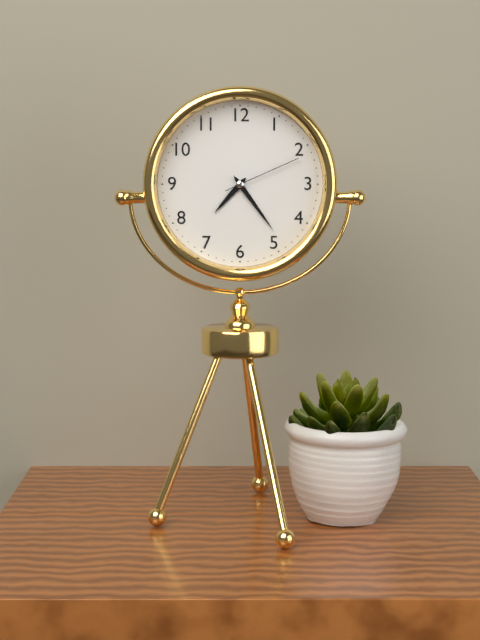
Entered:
7 h 24 min 11 s
